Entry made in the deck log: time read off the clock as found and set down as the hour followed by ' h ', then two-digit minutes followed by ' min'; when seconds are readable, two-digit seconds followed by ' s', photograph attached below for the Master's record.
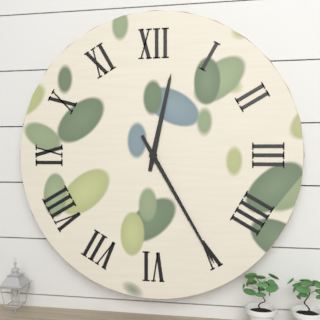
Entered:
12 h 25 min
